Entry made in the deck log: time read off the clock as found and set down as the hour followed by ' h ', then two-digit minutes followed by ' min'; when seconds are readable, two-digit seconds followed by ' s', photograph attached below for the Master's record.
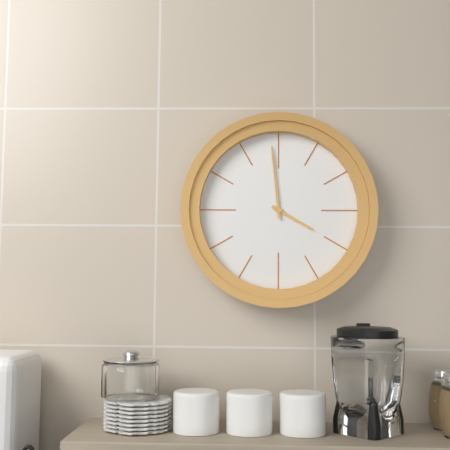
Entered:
3 h 59 min
